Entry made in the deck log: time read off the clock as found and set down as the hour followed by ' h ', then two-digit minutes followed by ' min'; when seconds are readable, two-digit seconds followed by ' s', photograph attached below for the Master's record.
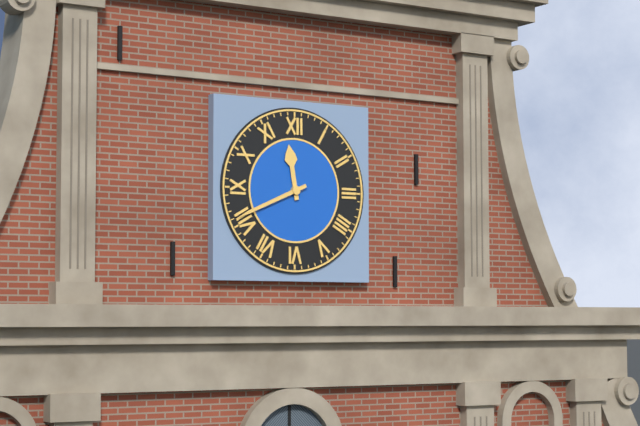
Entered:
11 h 41 min
